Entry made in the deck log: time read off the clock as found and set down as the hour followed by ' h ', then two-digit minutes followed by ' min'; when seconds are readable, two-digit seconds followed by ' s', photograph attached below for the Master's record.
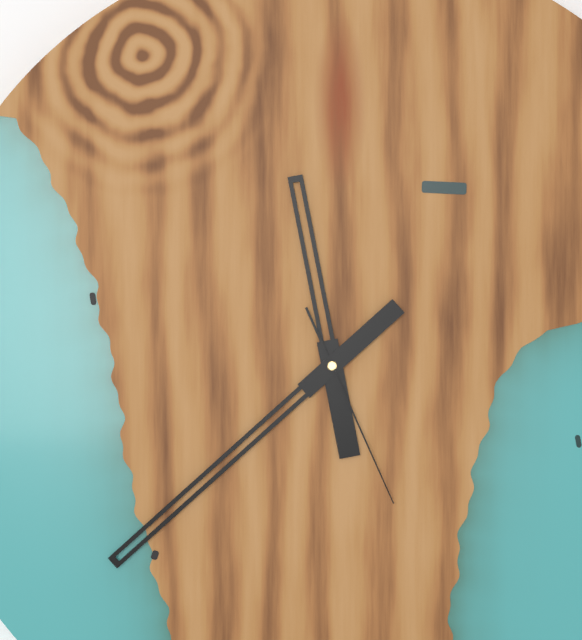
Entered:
11 h 38 min 26 s
